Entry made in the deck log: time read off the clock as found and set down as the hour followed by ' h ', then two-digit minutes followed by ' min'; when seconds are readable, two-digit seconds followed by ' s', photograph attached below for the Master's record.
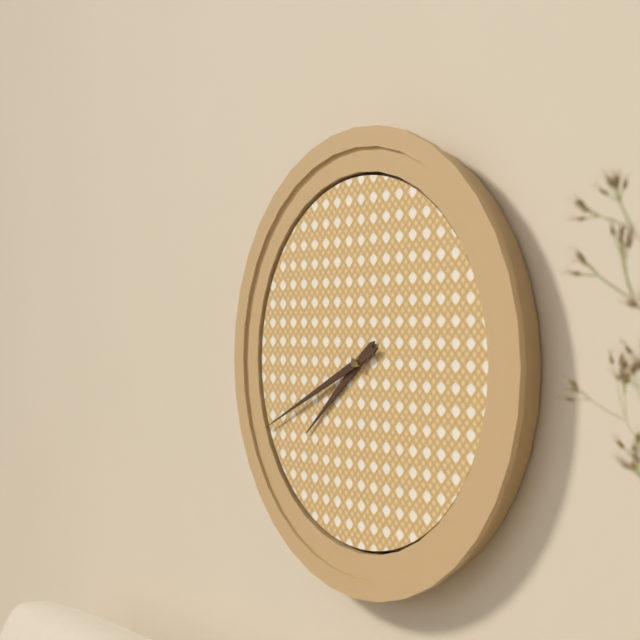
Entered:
7 h 41 min
